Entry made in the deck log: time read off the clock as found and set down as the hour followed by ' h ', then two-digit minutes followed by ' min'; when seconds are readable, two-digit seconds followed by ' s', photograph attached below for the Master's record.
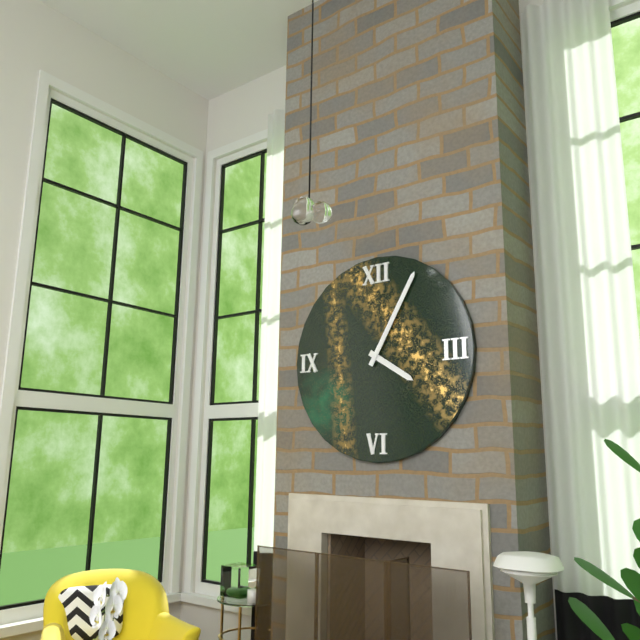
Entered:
4 h 05 min
